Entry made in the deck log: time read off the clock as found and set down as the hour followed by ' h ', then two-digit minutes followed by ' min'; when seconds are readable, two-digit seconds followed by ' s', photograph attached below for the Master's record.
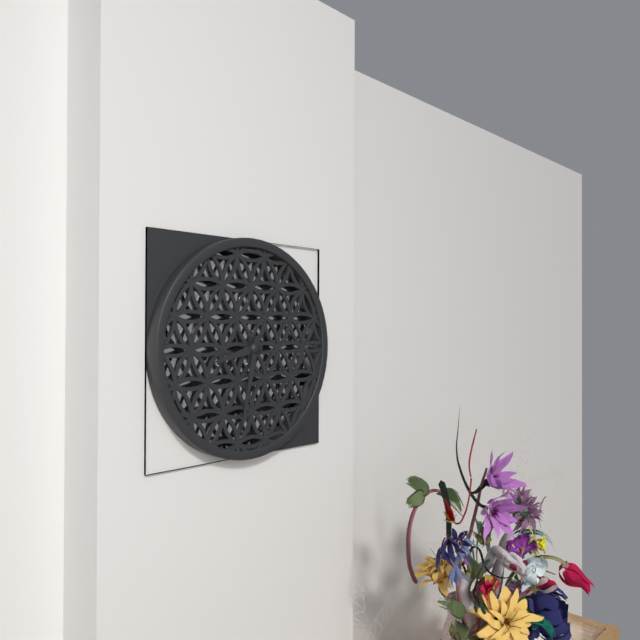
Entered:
8 h 32 min
